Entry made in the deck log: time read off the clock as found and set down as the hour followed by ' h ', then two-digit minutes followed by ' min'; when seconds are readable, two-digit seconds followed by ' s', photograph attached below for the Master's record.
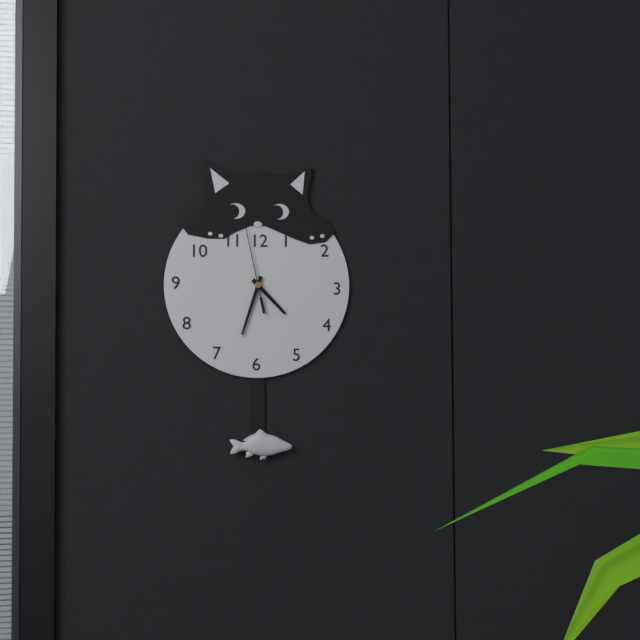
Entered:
4 h 33 min 58 s
